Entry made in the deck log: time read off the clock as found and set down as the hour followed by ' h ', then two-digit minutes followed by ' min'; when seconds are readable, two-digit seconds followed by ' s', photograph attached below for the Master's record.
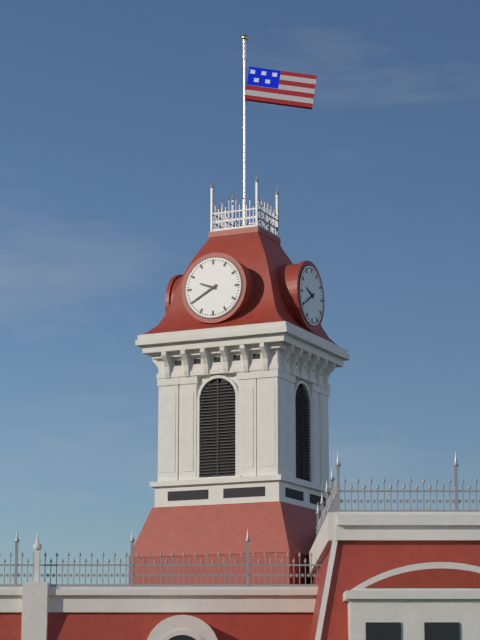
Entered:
9 h 40 min
